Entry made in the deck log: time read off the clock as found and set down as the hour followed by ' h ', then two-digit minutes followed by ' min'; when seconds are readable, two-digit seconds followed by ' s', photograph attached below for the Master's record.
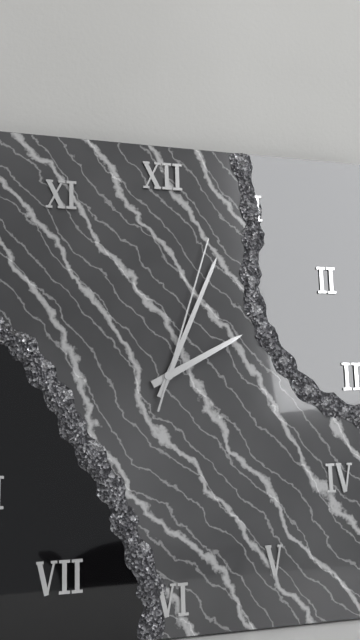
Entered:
2 h 04 min 03 s
